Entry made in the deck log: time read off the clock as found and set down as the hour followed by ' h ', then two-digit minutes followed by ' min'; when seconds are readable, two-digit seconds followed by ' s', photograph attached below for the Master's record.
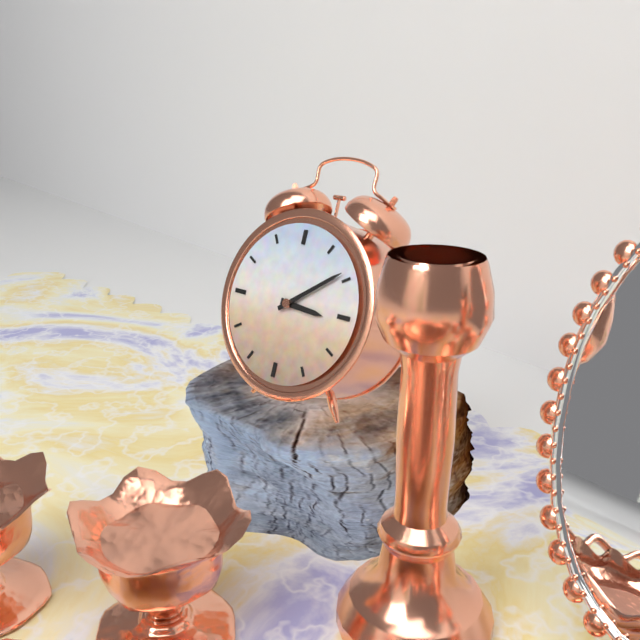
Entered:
3 h 09 min
